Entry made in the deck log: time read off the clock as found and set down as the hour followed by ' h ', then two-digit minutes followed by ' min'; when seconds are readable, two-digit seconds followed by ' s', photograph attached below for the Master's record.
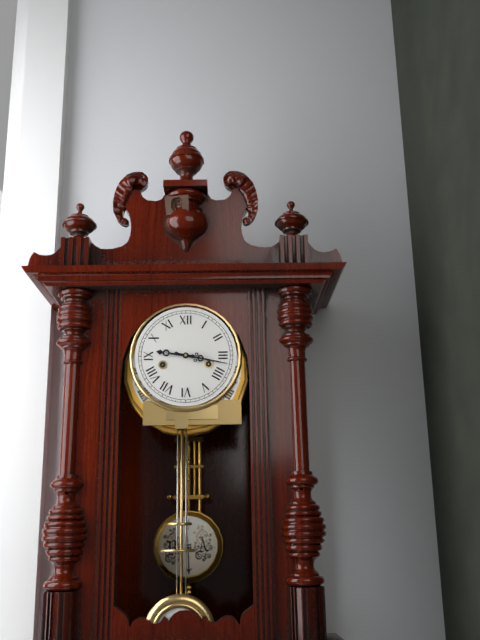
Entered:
9 h 17 min
